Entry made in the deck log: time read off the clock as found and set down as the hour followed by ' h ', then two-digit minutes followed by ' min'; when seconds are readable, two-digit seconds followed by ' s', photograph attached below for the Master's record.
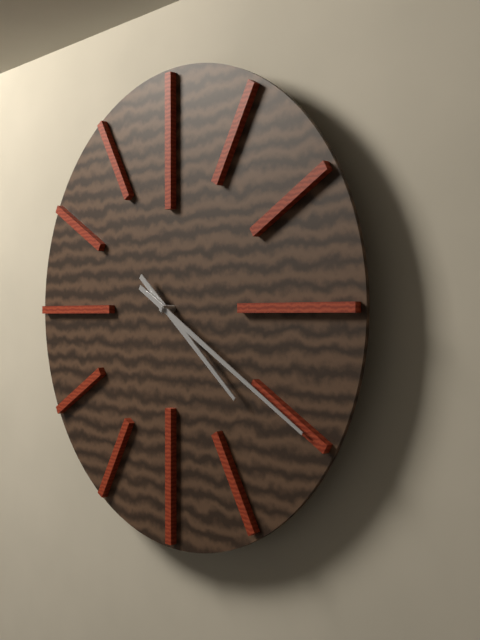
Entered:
4 h 20 min
